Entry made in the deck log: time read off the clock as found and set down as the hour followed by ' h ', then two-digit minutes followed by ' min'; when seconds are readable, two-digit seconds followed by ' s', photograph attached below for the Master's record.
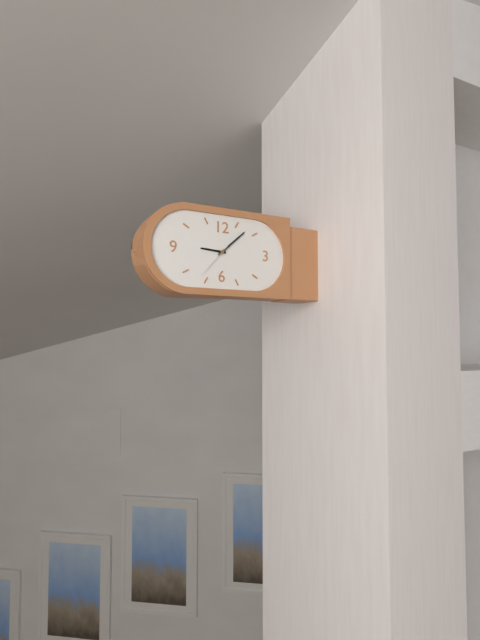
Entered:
9 h 08 min
